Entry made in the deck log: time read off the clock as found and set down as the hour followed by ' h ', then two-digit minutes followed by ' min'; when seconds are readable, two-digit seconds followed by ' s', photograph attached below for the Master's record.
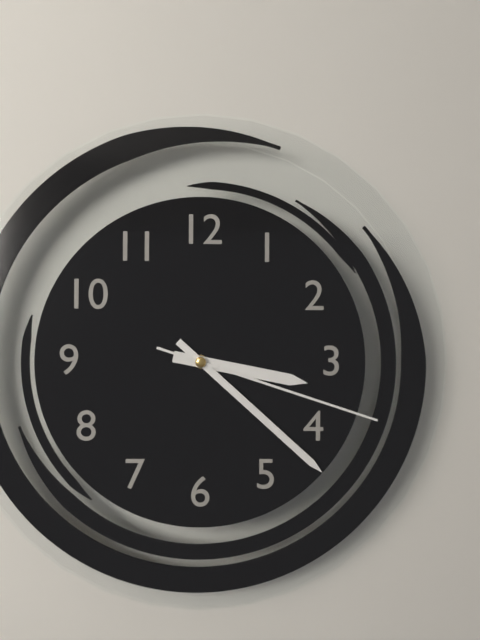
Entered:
3 h 22 min 18 s
